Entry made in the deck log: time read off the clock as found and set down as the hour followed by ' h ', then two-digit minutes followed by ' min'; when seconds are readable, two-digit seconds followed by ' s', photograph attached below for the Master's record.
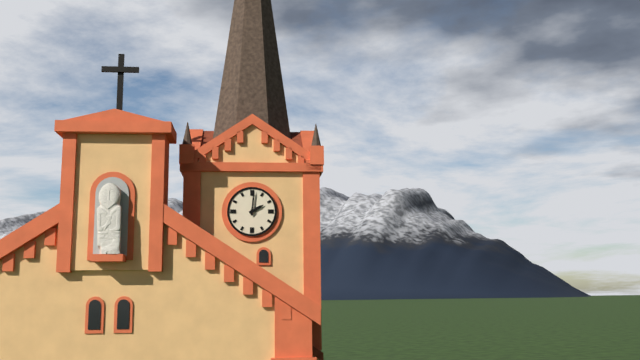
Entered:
2 h 01 min
